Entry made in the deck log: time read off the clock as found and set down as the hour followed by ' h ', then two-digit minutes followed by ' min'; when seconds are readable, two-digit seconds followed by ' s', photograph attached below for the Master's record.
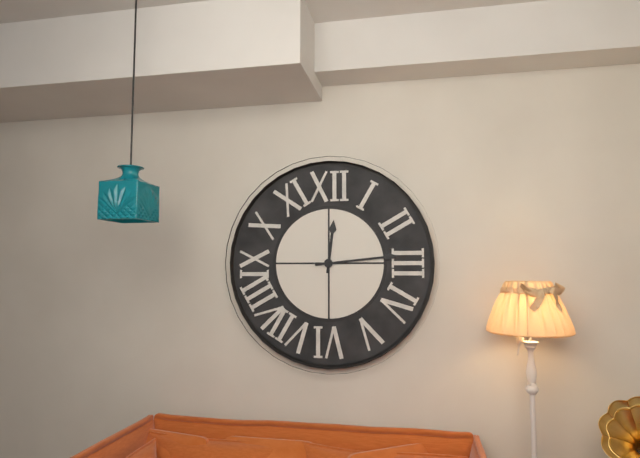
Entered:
12 h 14 min
